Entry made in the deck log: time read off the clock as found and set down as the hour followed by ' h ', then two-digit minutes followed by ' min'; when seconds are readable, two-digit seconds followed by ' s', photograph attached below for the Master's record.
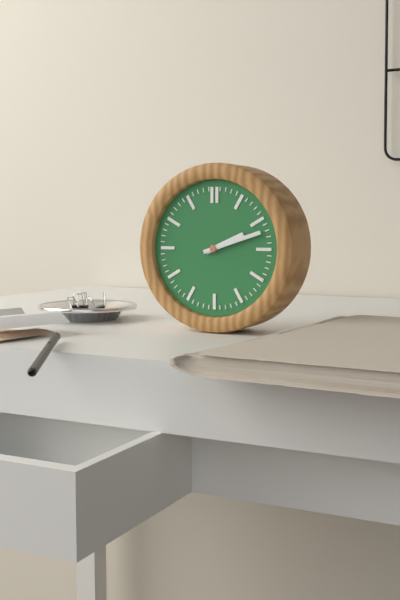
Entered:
2 h 12 min
